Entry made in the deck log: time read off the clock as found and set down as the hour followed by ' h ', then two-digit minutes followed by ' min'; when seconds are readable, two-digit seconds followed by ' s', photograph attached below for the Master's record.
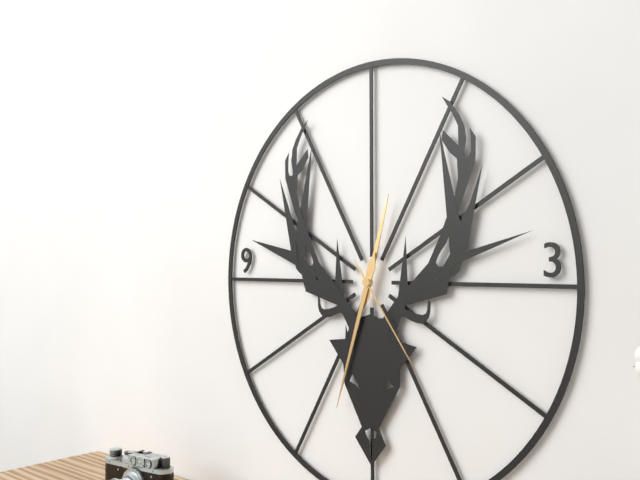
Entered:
12 h 33 min 24 s
